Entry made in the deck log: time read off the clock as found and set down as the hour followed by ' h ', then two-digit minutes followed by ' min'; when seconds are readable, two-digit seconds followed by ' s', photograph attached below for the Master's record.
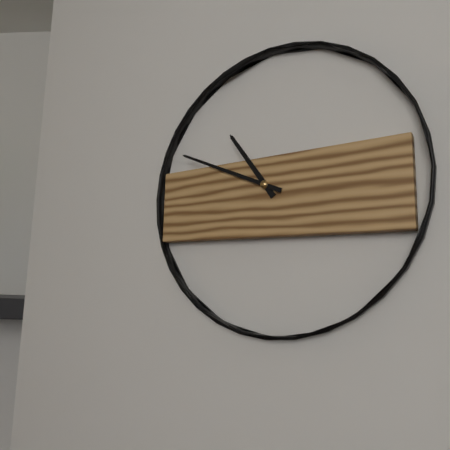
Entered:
10 h 49 min
